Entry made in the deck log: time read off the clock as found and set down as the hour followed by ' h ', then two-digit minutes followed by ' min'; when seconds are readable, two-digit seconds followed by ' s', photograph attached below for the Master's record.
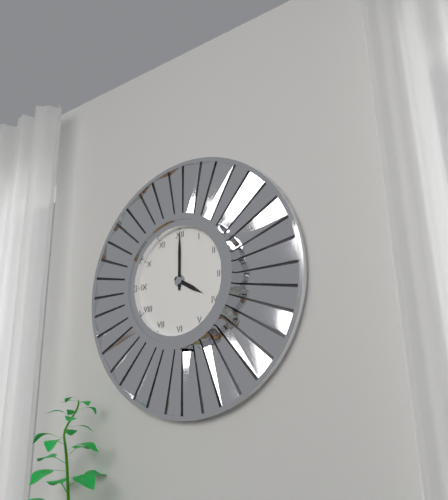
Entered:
4 h 00 min
